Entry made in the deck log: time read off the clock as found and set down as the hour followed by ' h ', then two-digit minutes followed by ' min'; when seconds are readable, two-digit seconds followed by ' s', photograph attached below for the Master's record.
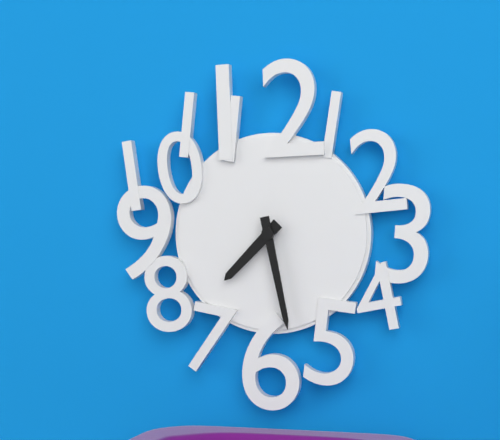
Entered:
7 h 28 min
